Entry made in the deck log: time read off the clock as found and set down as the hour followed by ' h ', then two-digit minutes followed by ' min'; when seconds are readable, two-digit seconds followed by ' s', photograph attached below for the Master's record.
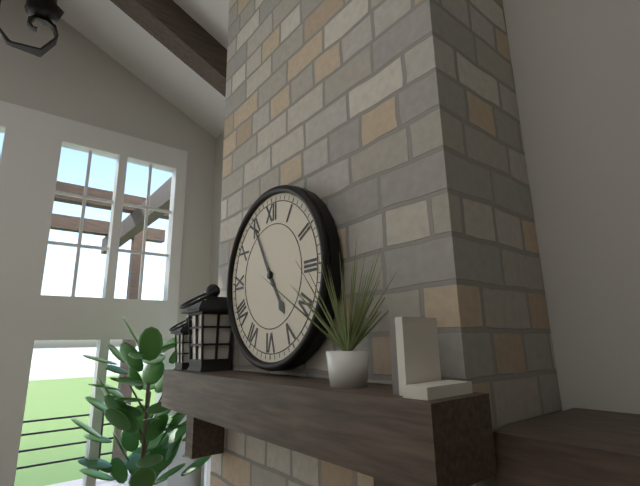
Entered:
4 h 55 min
